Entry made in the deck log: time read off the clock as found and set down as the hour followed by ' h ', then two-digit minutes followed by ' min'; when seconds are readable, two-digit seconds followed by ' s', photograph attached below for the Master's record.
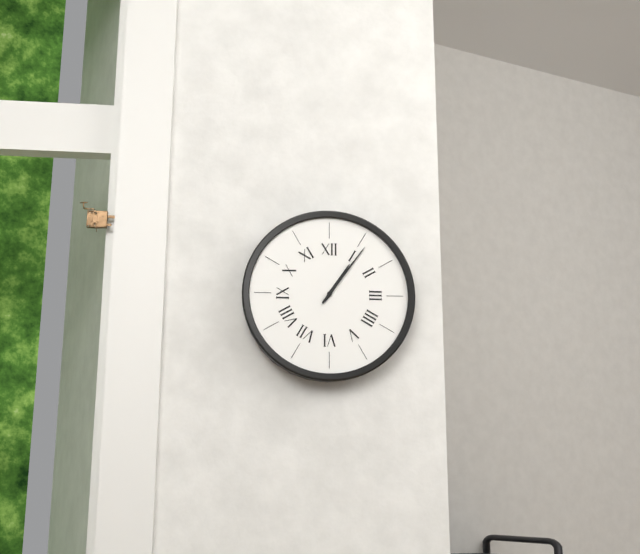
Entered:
1 h 06 min
